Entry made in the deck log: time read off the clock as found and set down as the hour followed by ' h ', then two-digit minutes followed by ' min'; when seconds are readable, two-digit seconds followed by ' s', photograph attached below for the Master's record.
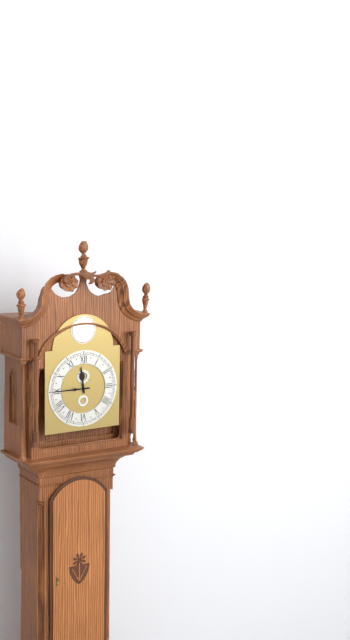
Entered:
11 h 45 min
